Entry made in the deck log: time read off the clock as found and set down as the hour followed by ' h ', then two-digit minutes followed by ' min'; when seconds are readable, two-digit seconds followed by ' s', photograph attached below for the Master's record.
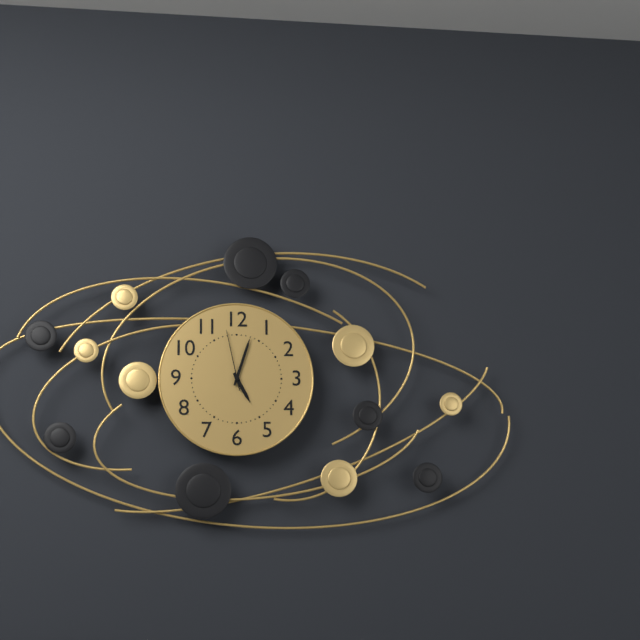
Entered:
5 h 03 min 58 s
